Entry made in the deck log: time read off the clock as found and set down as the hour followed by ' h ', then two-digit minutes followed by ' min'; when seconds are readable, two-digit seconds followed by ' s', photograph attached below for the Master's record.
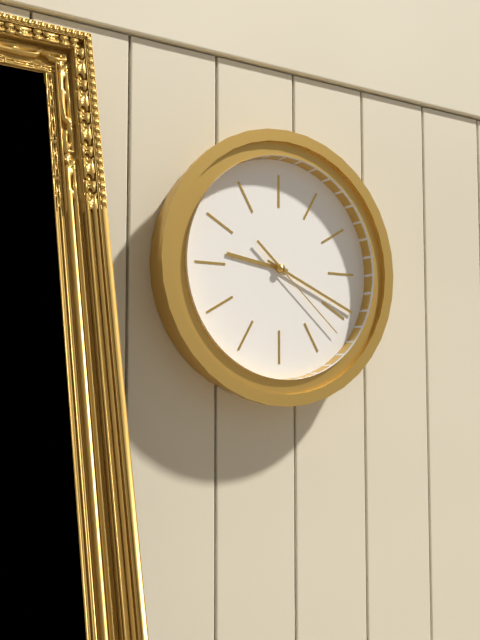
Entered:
9 h 19 min 22 s
